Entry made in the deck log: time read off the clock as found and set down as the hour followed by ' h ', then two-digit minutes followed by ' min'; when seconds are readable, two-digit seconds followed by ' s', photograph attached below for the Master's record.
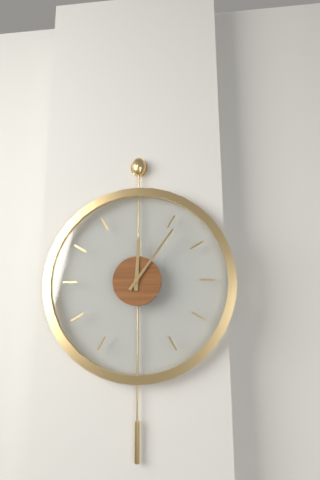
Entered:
12 h 06 min
